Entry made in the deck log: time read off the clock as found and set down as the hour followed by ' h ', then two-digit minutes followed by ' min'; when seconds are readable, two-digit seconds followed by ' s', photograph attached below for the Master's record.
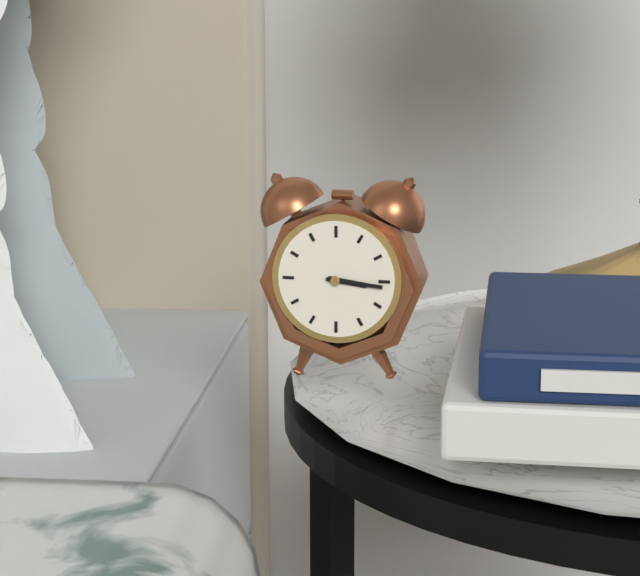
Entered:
3 h 16 min
